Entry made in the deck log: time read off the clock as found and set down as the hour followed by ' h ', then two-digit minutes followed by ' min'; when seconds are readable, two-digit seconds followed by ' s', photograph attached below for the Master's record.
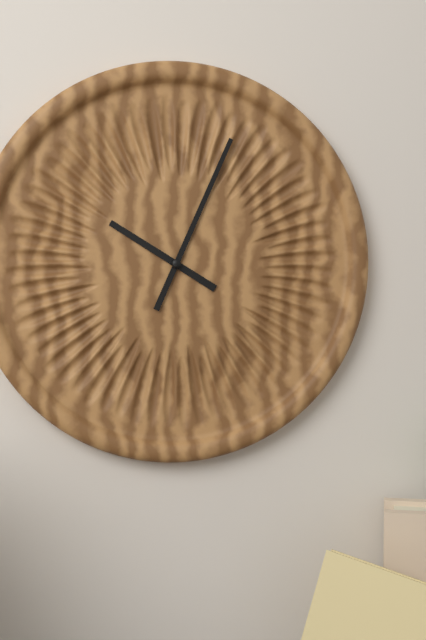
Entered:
10 h 04 min
